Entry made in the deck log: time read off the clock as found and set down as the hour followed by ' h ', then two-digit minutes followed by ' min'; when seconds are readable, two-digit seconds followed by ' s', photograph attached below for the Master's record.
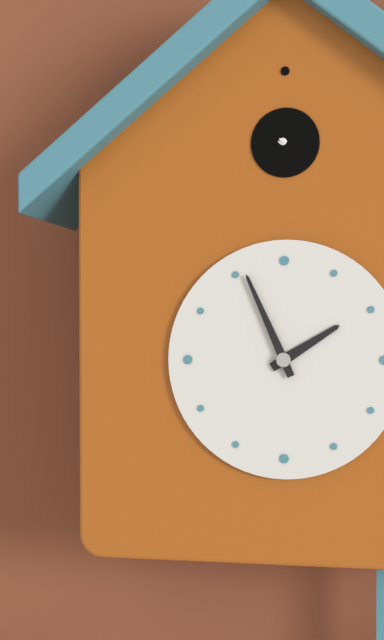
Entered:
1 h 56 min
